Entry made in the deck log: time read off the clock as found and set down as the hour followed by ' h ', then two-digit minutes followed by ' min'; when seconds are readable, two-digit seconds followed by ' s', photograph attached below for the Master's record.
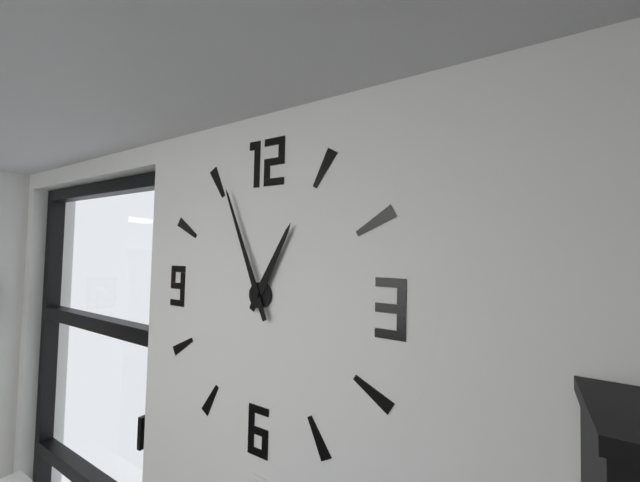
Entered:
12 h 56 min
